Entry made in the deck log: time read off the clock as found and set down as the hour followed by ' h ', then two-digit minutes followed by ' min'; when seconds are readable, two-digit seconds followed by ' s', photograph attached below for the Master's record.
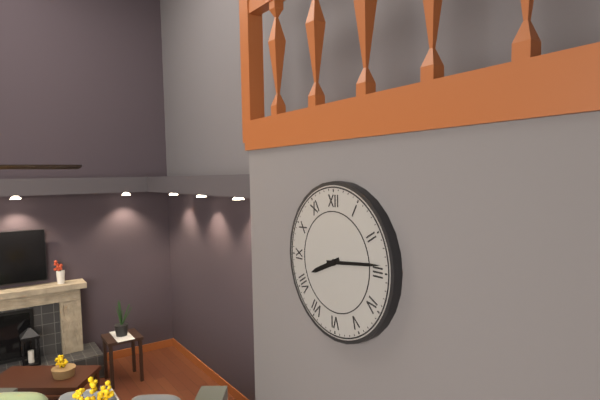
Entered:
8 h 14 min
